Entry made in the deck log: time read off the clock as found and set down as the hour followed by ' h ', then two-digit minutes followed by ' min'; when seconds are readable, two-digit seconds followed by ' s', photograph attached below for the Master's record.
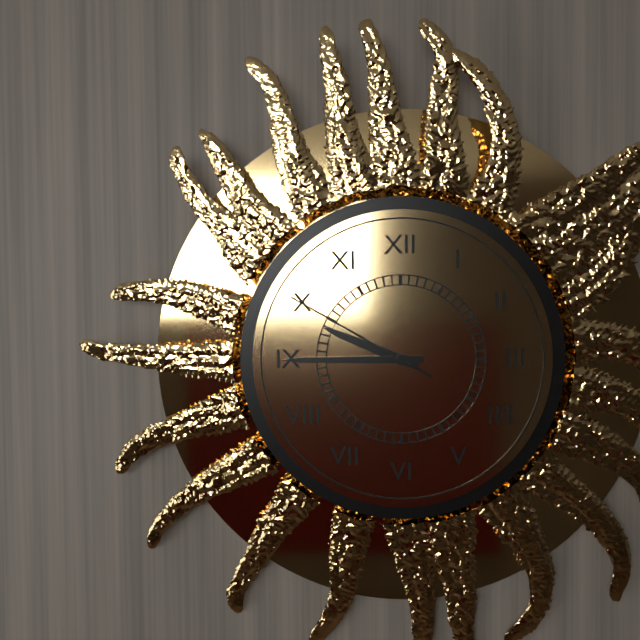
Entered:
9 h 45 min 50 s
